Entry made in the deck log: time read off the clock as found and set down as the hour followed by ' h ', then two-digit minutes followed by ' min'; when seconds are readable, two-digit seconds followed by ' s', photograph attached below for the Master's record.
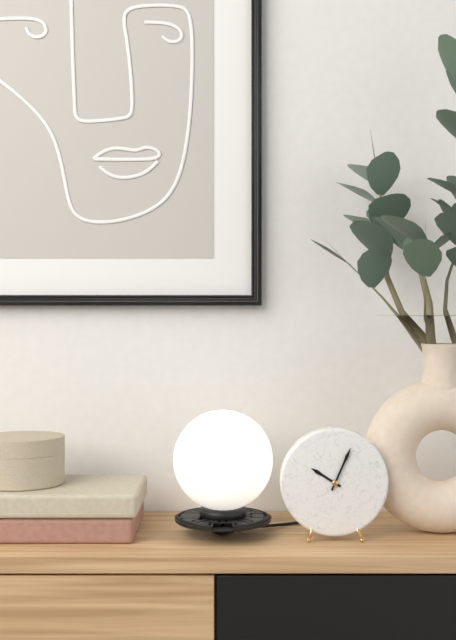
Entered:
10 h 04 min
